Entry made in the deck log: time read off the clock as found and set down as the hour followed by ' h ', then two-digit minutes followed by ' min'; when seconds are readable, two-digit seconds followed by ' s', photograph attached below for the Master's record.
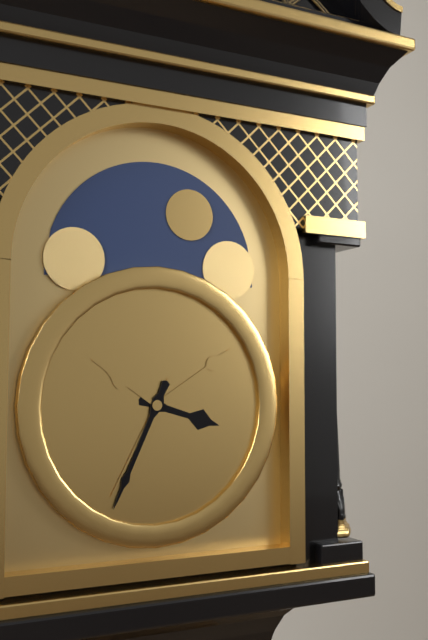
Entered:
3 h 34 min
